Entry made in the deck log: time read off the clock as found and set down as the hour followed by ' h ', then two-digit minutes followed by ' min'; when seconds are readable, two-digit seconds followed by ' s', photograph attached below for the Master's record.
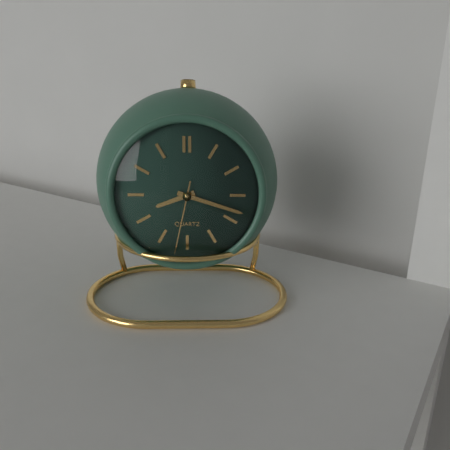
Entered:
8 h 18 min 32 s
